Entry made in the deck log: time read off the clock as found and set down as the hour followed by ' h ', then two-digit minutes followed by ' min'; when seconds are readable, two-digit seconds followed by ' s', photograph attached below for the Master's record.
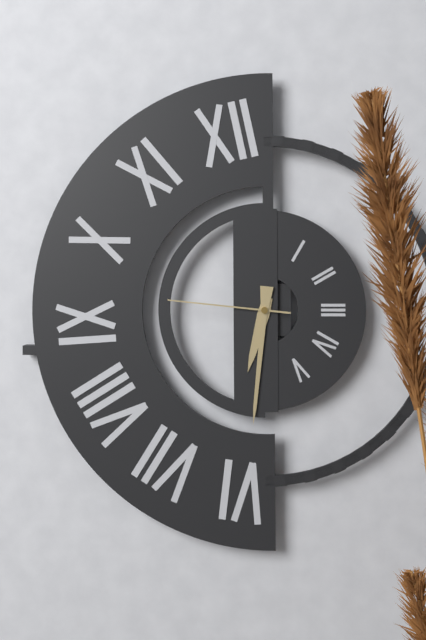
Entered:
6 h 31 min 46 s
